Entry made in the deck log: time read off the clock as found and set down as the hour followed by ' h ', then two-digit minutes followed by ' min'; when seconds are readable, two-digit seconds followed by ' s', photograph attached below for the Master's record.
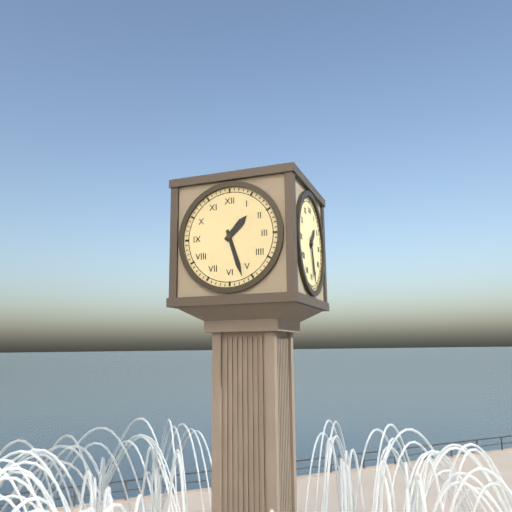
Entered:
1 h 27 min
